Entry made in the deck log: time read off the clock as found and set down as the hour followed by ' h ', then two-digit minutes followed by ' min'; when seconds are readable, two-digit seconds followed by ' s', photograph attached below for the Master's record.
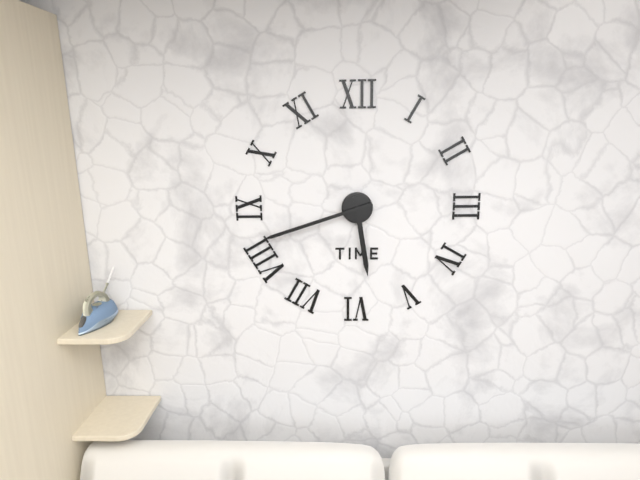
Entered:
5 h 42 min
